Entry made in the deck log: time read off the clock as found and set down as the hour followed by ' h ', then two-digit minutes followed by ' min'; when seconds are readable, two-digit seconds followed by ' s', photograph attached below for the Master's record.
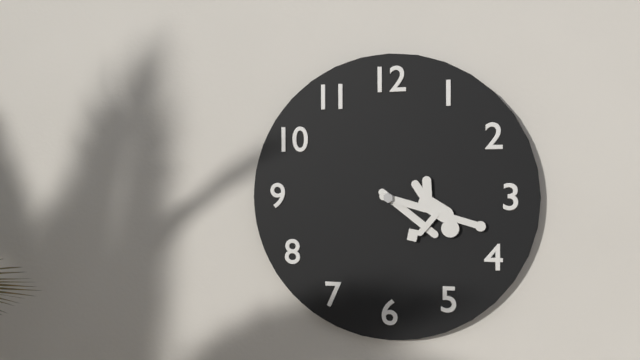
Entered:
4 h 17 min
